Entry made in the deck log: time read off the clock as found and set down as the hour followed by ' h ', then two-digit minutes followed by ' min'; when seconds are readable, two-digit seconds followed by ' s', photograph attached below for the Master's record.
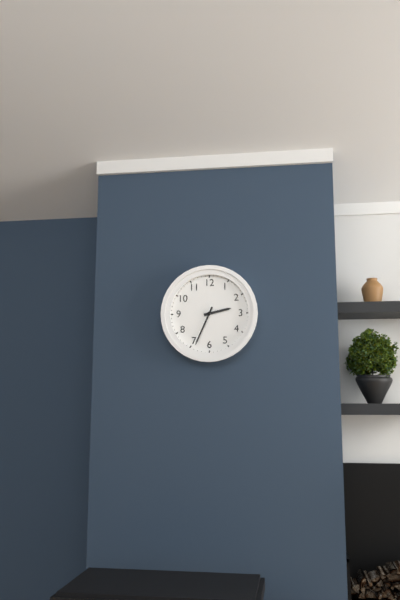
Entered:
2 h 34 min
